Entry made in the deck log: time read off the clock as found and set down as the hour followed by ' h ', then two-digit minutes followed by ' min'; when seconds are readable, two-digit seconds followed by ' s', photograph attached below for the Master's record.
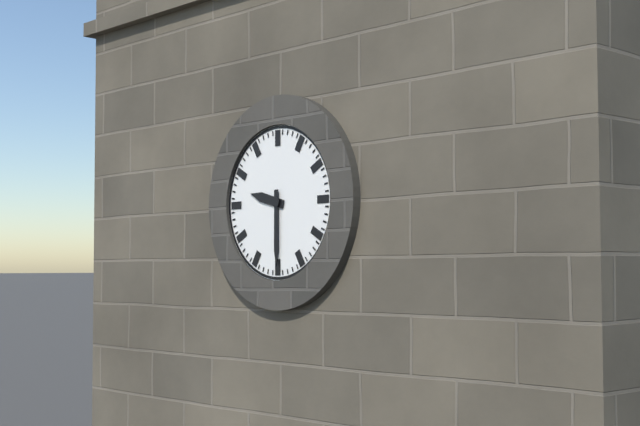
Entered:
9 h 30 min
